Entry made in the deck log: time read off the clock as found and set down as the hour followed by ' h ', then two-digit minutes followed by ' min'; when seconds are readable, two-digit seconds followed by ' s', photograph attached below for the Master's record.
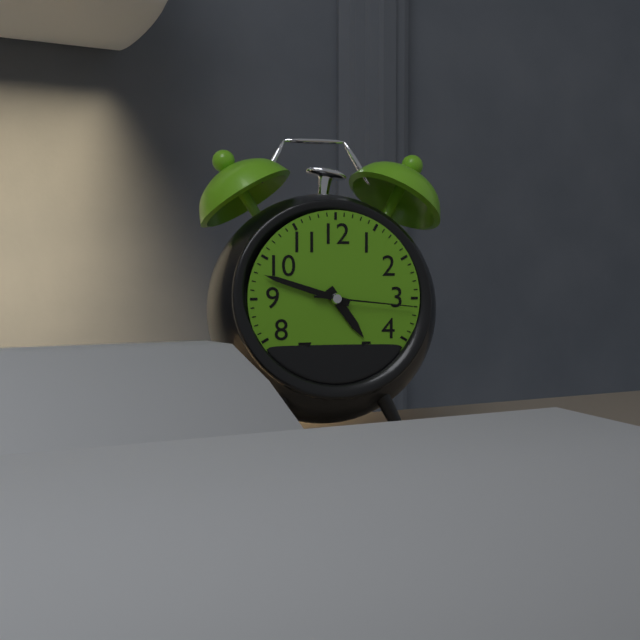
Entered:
4 h 48 min 16 s
